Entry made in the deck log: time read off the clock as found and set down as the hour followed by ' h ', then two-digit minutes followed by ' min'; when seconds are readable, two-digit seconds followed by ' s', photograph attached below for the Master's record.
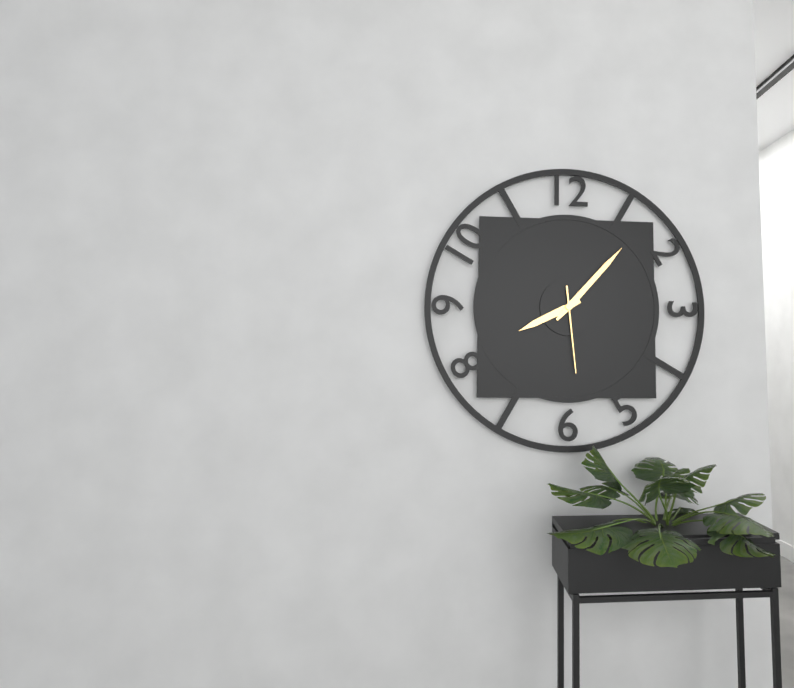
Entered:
8 h 07 min 29 s
